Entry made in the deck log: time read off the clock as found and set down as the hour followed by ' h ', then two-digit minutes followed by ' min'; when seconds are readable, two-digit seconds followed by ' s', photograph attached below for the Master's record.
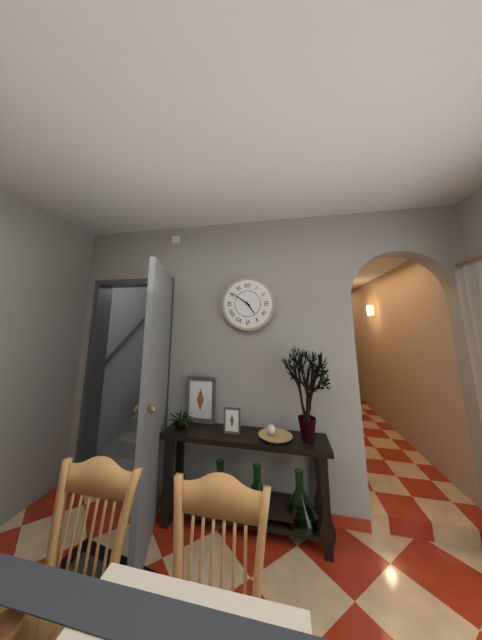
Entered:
4 h 51 min
